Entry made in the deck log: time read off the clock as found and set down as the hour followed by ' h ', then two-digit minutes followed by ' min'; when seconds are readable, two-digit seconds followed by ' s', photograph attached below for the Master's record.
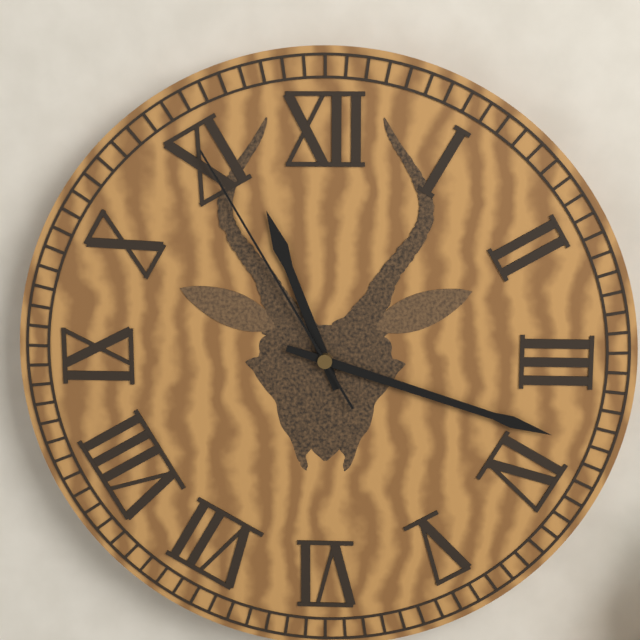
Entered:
11 h 18 min 55 s
